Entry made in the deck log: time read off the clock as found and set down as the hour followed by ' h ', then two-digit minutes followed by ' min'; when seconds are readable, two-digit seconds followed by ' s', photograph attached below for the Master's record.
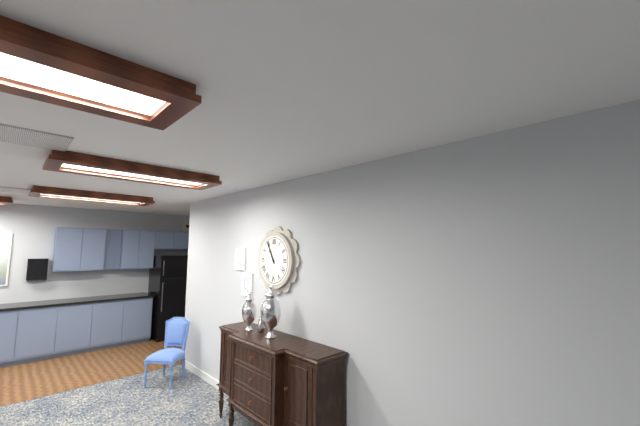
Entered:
10 h 55 min
